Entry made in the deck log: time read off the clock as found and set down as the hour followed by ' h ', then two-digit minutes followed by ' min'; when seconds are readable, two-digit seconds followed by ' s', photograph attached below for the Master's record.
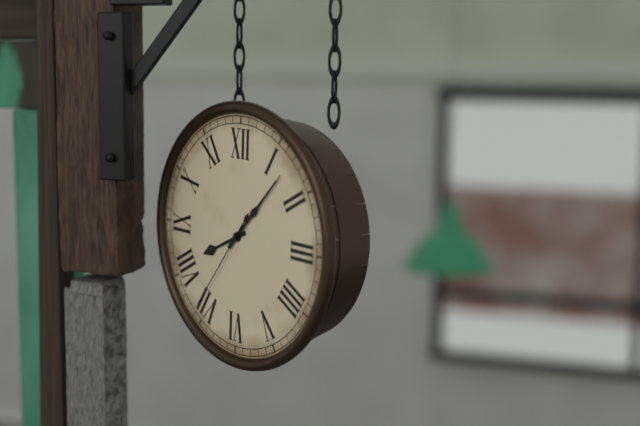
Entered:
8 h 07 min 36 s
